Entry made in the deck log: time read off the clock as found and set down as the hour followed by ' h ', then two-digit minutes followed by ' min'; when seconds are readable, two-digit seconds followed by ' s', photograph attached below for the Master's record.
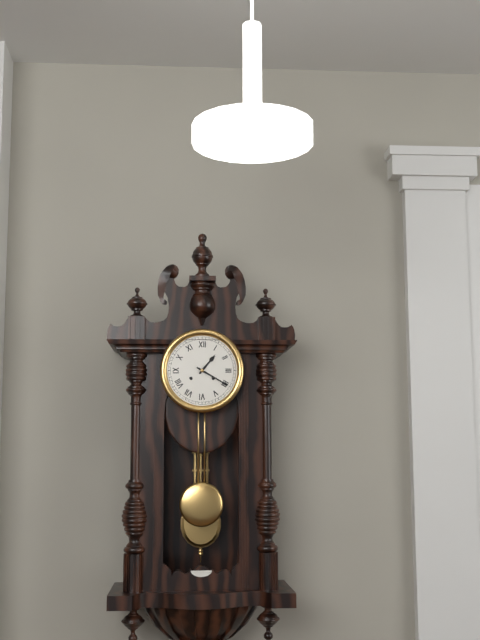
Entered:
1 h 20 min
